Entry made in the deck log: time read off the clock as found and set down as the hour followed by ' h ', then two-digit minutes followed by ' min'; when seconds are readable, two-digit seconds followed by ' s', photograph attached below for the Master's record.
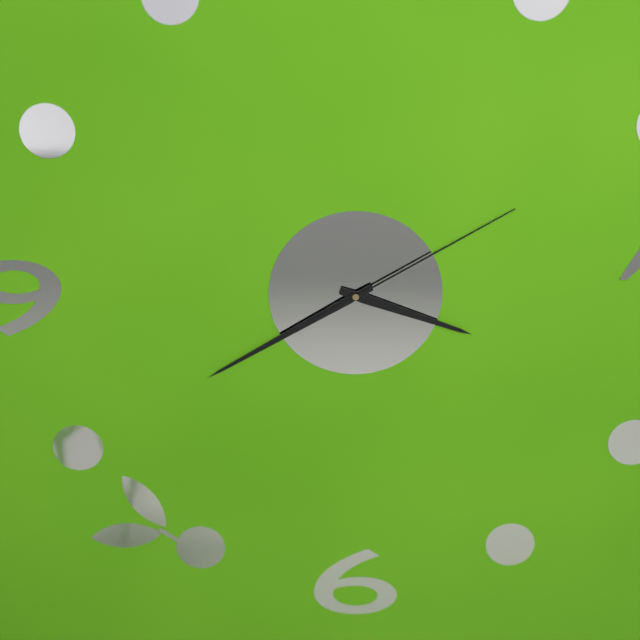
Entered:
3 h 40 min 10 s
